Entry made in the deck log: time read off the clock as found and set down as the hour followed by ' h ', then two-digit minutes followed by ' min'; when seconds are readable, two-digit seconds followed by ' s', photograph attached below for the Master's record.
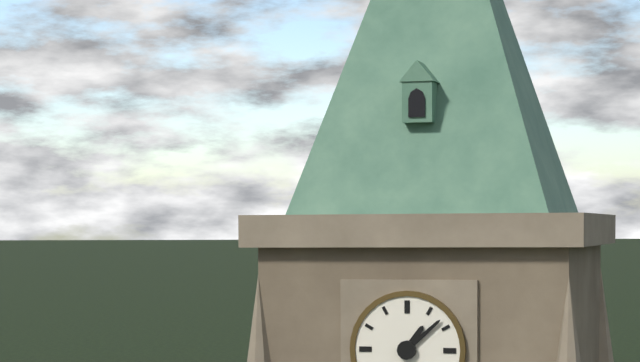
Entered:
1 h 08 min
